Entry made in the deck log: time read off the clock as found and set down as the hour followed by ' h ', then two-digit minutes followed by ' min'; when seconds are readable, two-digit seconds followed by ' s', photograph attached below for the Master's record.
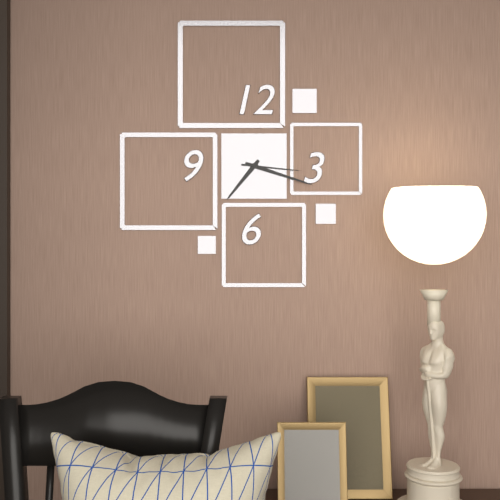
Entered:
7 h 18 min 16 s
